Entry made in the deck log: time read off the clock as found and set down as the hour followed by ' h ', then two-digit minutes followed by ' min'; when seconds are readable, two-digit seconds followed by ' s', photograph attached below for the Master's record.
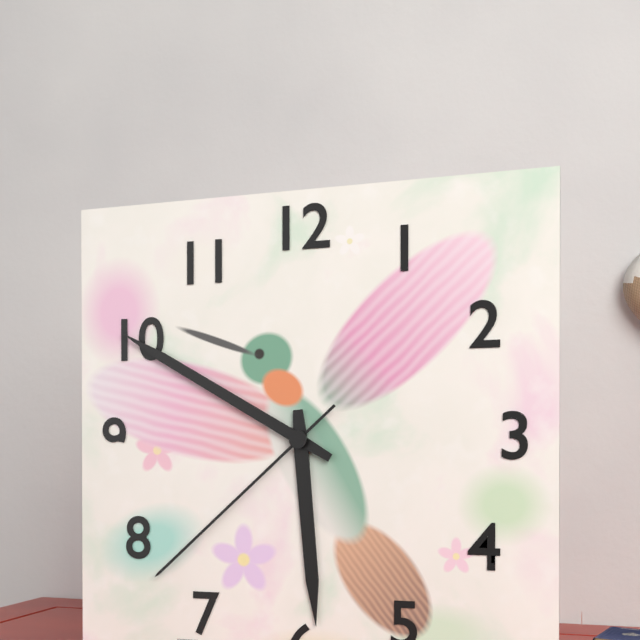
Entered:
5 h 50 min 38 s
